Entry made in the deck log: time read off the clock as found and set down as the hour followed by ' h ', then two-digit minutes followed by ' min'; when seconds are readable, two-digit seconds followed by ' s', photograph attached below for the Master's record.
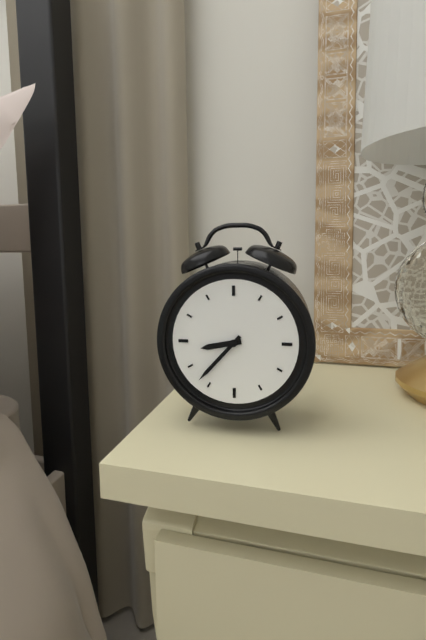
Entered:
8 h 37 min
